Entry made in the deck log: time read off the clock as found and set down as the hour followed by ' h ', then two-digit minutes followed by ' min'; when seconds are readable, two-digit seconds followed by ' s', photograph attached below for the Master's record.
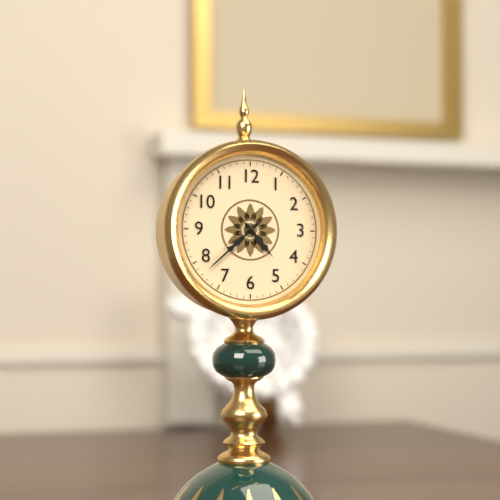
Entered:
4 h 38 min
